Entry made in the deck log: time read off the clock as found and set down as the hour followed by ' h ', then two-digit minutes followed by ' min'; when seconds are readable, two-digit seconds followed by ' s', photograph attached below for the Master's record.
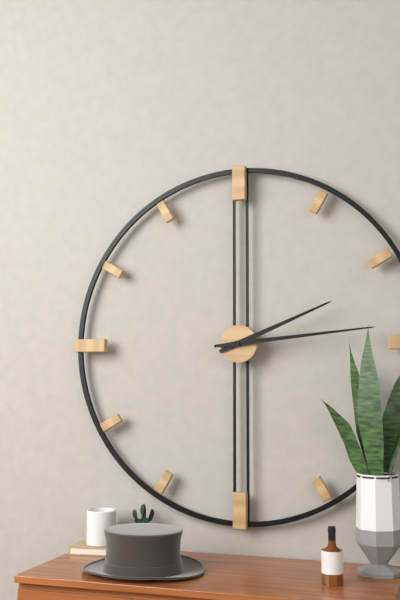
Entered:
2 h 14 min
